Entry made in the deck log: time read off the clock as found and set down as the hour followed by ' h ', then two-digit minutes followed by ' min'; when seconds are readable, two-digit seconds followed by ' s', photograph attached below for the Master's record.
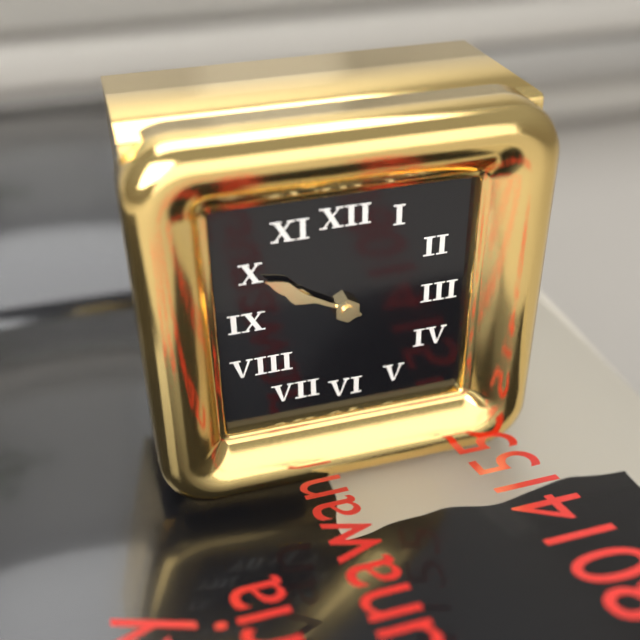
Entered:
9 h 50 min
